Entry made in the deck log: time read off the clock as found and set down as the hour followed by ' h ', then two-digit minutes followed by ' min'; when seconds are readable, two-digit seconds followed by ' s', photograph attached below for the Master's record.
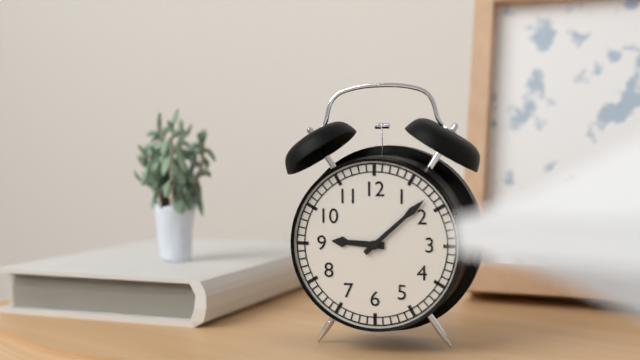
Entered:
9 h 08 min
